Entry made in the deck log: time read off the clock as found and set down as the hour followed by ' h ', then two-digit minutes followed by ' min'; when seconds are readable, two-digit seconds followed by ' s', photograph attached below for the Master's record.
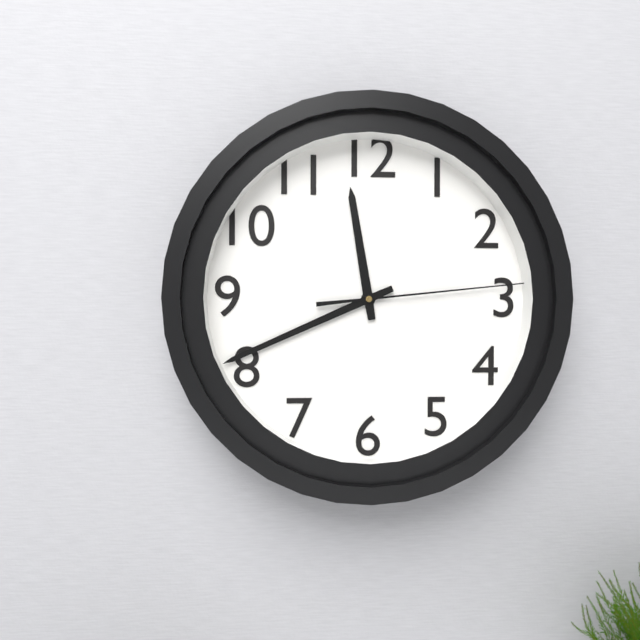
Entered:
11 h 41 min 14 s
